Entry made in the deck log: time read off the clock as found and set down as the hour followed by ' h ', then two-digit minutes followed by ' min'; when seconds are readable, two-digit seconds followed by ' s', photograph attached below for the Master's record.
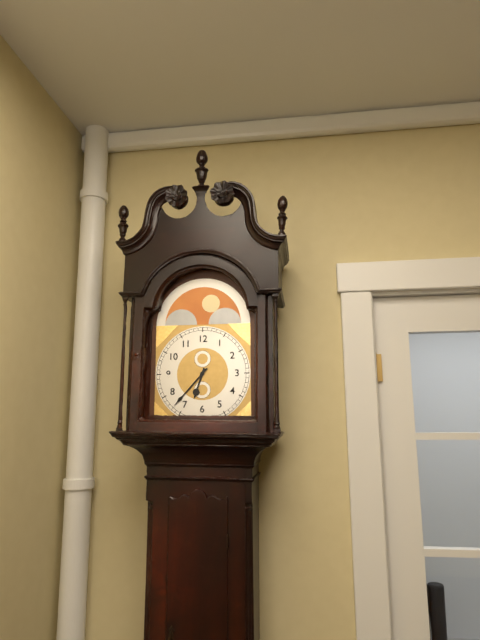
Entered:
6 h 37 min
